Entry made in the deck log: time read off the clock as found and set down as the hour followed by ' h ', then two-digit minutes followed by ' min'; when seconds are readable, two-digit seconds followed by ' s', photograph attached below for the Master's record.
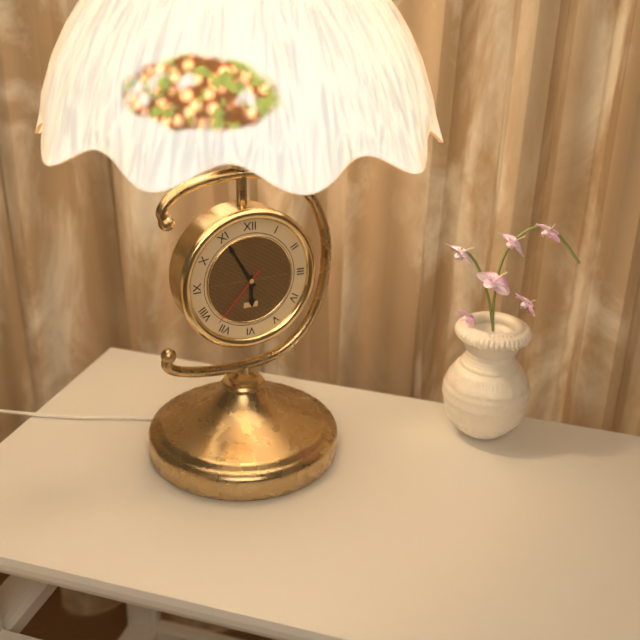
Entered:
5 h 55 min 37 s
